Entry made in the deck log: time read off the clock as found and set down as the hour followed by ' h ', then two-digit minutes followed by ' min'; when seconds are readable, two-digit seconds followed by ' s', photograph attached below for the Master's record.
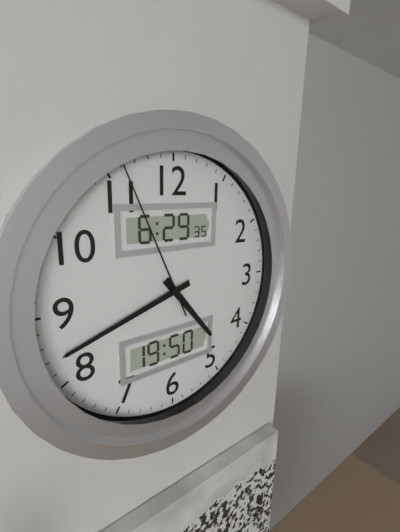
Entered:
4 h 42 min 56 s
